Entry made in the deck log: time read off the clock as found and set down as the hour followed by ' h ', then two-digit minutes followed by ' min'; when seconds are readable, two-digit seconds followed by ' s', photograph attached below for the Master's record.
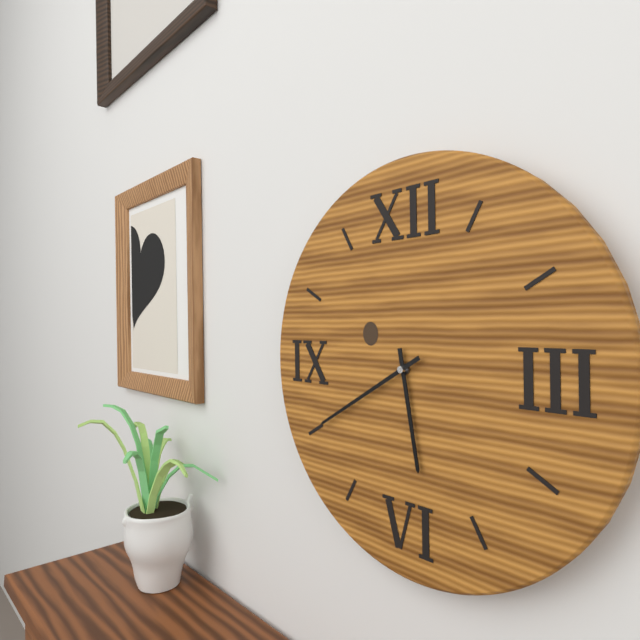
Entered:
5 h 40 min
